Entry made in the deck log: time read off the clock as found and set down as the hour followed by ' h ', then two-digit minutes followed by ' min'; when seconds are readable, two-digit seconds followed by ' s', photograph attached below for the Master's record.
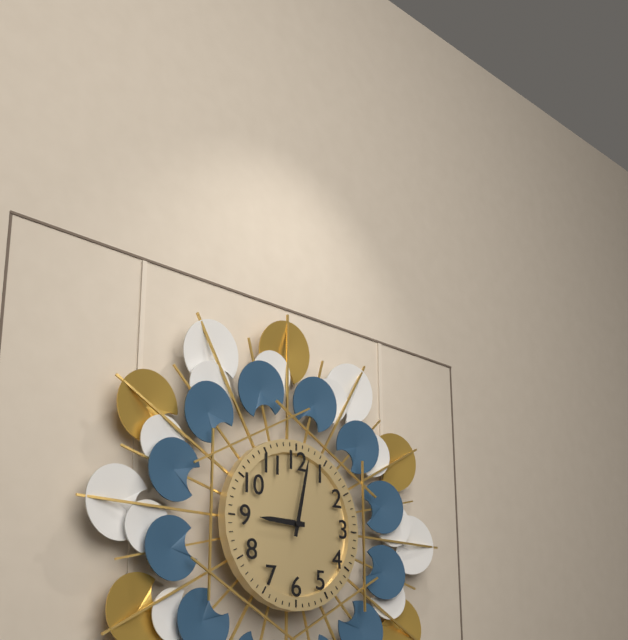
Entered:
9 h 02 min
